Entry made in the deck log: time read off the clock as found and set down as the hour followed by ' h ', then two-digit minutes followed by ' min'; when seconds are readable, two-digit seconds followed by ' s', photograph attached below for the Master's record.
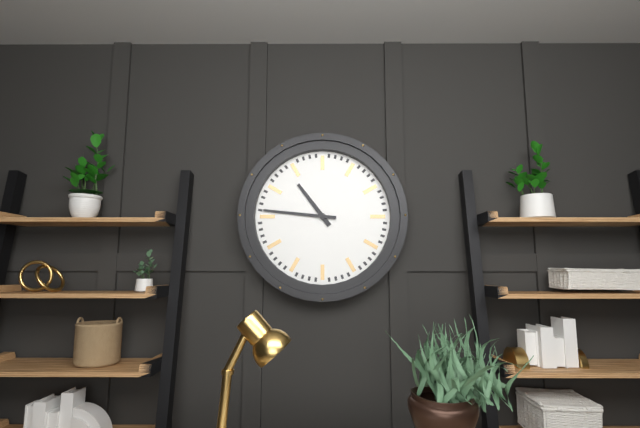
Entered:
10 h 46 min
